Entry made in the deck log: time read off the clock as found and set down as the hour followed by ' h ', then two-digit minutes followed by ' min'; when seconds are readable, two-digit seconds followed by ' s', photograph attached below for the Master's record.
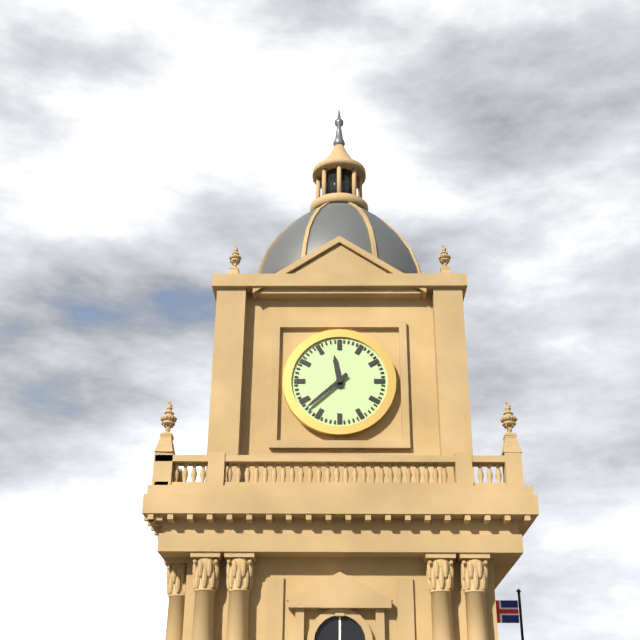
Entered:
11 h 38 min
